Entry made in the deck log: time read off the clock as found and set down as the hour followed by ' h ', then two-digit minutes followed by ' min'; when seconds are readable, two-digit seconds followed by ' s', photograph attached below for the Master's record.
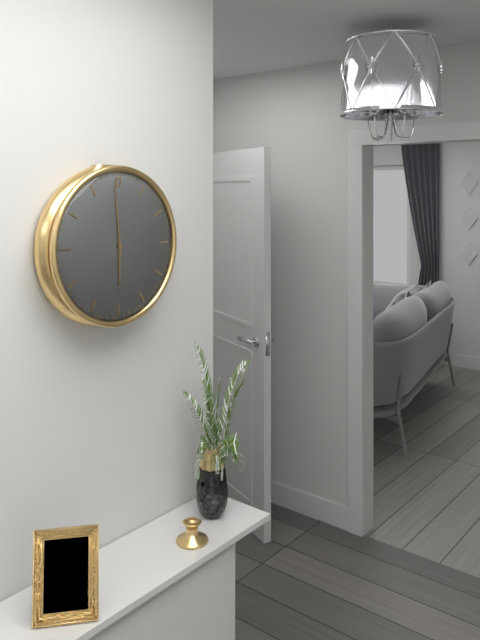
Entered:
5 h 59 min
